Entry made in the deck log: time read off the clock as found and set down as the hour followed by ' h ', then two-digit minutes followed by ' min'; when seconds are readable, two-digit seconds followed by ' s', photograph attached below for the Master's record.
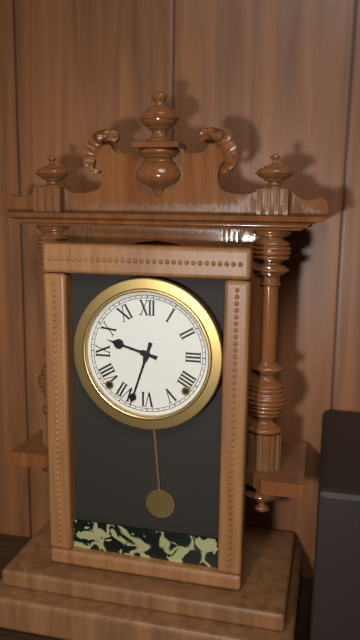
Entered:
9 h 33 min
